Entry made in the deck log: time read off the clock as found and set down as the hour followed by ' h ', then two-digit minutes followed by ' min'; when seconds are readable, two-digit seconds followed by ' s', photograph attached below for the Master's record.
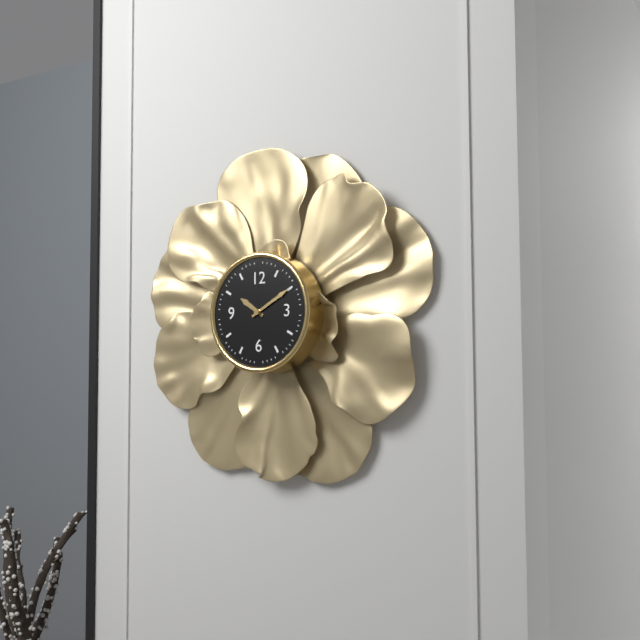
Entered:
10 h 10 min
